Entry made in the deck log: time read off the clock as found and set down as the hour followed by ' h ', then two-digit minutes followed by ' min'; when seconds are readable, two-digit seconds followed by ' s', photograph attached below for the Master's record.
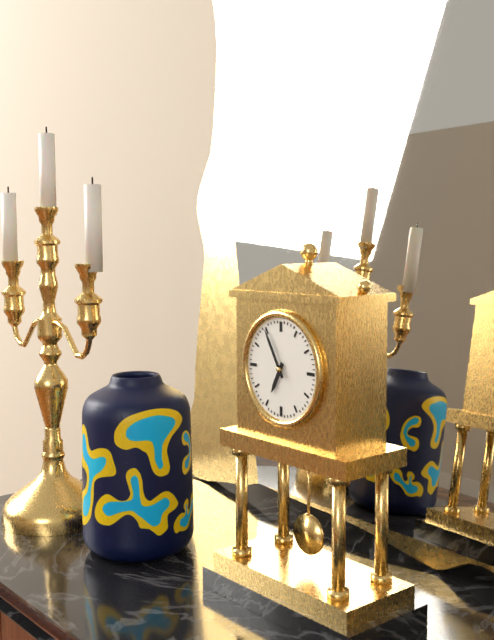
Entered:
6 h 55 min
